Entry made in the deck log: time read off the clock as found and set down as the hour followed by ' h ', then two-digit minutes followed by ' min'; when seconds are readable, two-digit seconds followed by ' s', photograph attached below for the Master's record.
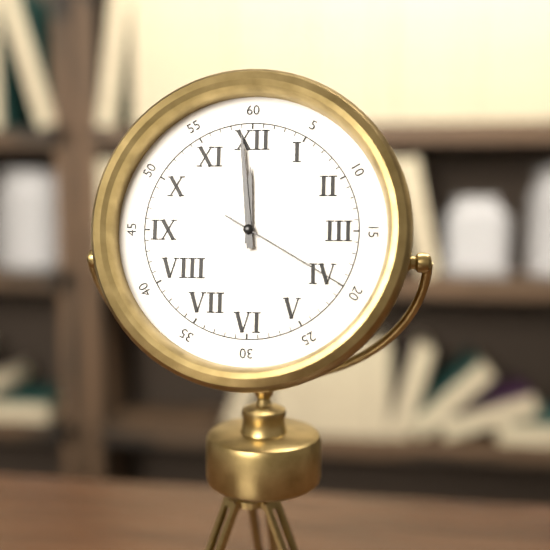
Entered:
11 h 59 min 20 s
